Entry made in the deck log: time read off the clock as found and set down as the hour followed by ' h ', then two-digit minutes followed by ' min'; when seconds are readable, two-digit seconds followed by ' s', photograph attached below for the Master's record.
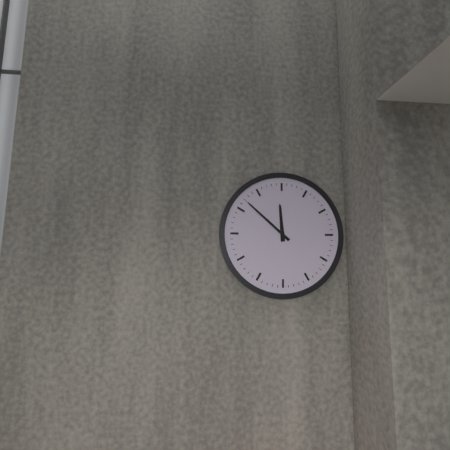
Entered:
11 h 52 min
